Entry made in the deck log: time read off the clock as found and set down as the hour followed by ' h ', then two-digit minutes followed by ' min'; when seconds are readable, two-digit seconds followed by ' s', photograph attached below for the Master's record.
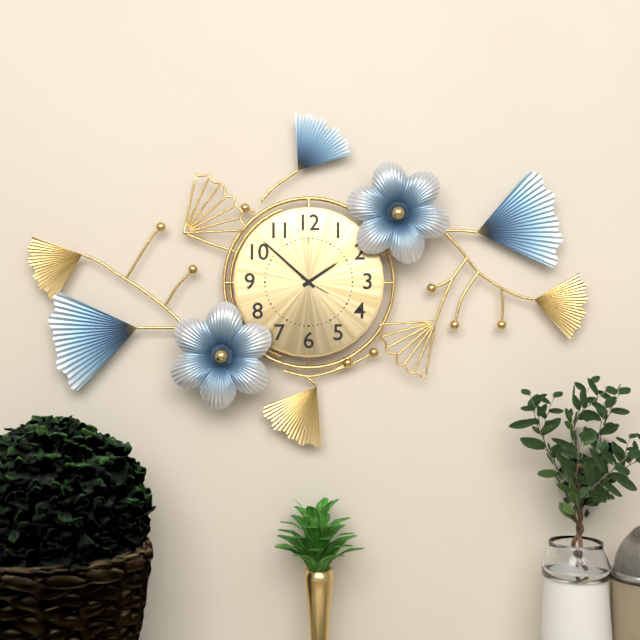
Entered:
1 h 52 min
